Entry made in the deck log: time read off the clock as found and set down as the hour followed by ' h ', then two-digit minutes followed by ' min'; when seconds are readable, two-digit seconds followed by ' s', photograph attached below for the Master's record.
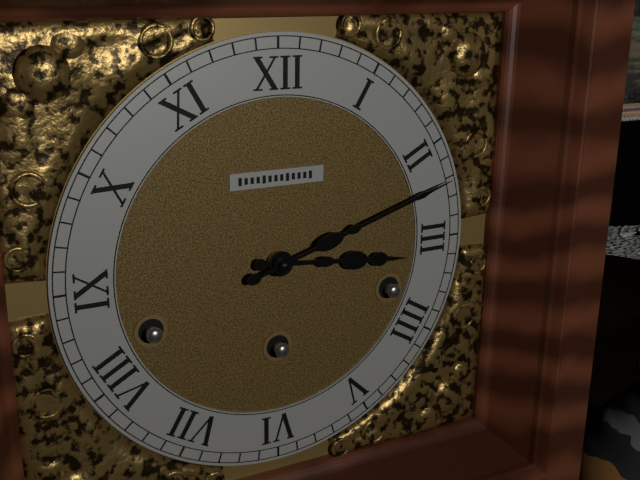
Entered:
3 h 12 min
